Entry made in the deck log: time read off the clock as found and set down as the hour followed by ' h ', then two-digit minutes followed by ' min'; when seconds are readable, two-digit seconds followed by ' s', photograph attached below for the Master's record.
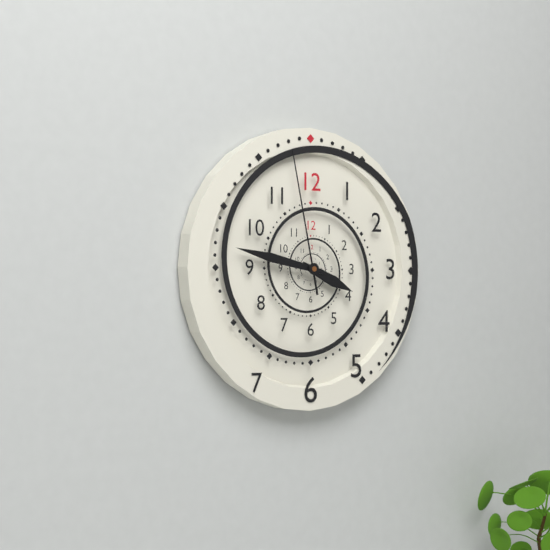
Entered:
3 h 47 min 58 s
